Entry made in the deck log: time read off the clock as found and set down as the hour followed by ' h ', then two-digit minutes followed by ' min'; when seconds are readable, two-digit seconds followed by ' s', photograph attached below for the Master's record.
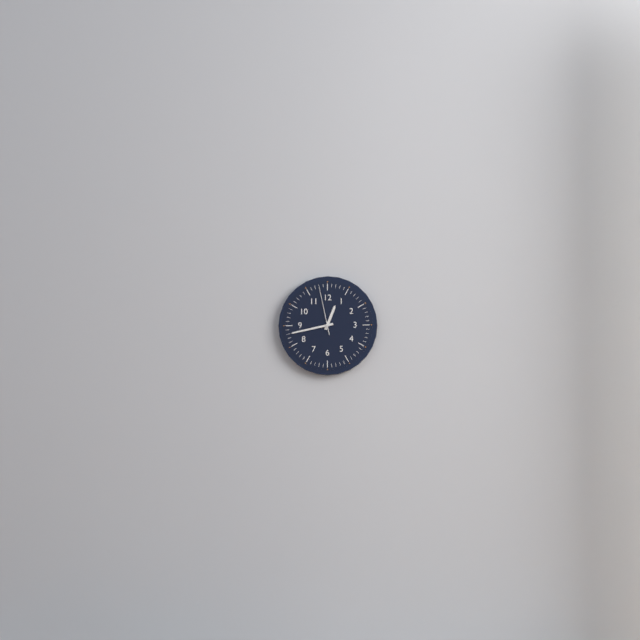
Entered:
12 h 43 min
